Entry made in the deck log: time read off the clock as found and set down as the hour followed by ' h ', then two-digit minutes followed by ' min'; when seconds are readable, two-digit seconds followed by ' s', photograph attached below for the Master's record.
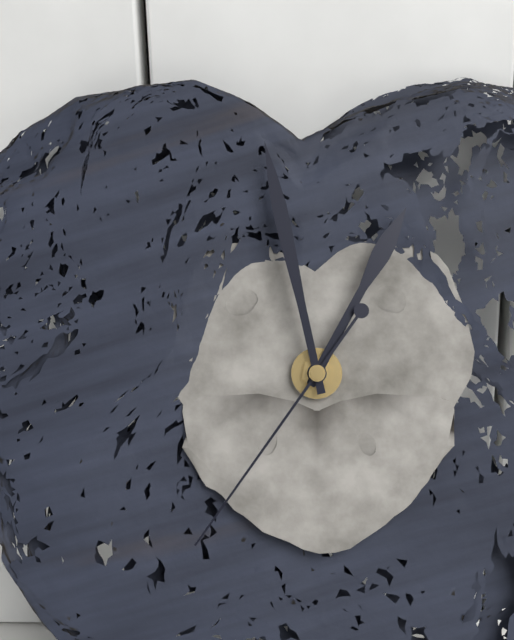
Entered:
12 h 58 min 36 s
